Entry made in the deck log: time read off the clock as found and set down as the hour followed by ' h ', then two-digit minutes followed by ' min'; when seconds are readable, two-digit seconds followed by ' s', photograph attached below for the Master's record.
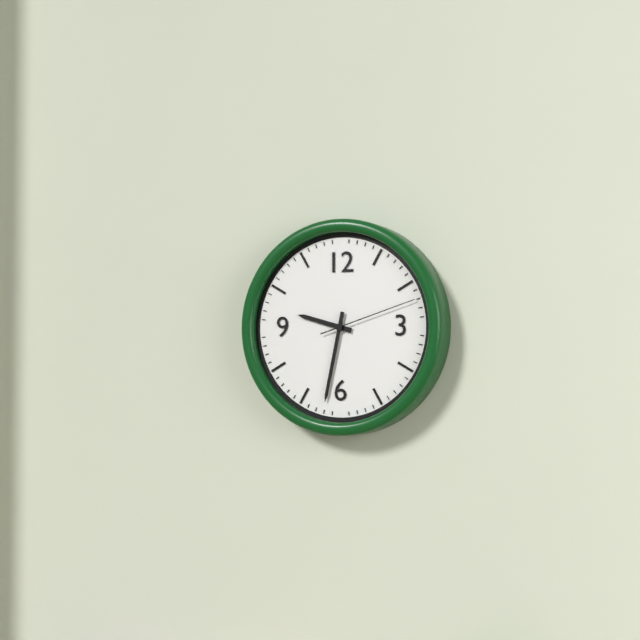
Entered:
9 h 32 min 12 s
